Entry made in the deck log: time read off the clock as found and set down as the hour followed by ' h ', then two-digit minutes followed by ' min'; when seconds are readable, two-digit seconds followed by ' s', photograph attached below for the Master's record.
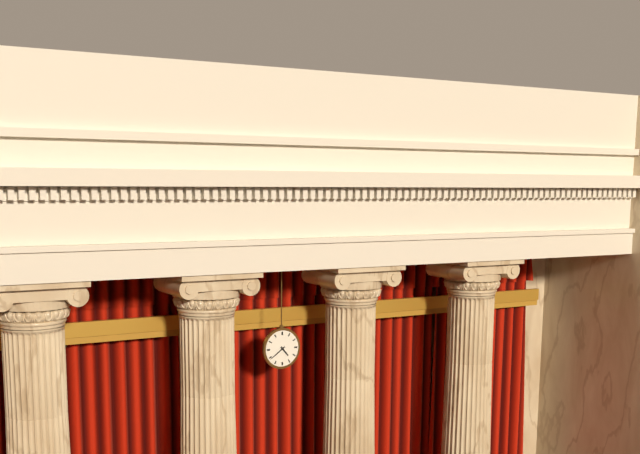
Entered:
4 h 39 min
